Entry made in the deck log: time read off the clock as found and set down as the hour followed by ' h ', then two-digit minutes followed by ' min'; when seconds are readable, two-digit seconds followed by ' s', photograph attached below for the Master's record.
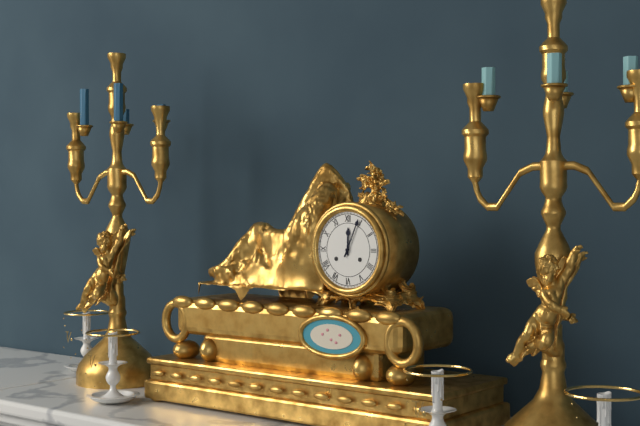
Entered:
12 h 04 min
